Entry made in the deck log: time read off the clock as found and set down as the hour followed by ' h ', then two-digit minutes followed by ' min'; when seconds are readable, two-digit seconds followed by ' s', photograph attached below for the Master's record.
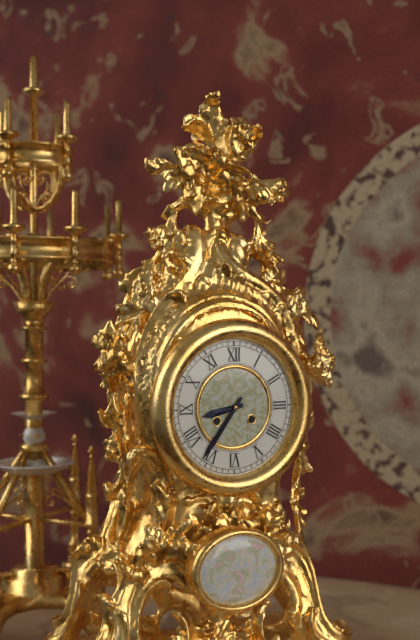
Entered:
8 h 36 min
